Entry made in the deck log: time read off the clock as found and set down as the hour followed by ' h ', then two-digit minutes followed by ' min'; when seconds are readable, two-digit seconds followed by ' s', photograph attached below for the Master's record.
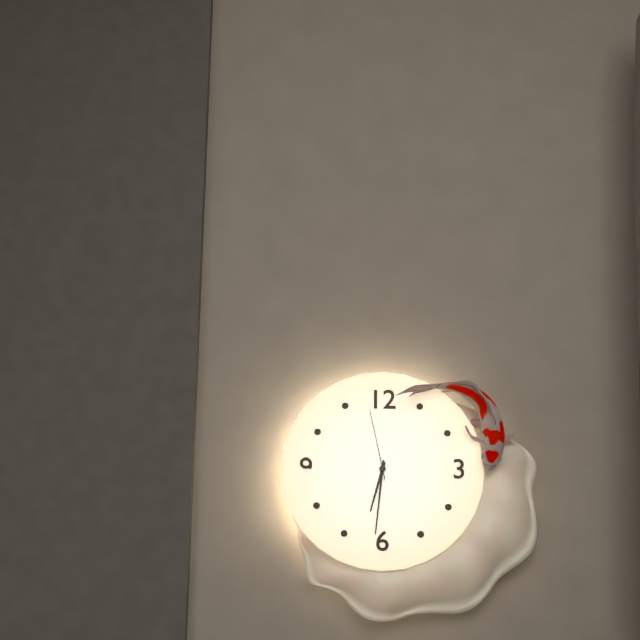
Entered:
6 h 31 min 58 s
